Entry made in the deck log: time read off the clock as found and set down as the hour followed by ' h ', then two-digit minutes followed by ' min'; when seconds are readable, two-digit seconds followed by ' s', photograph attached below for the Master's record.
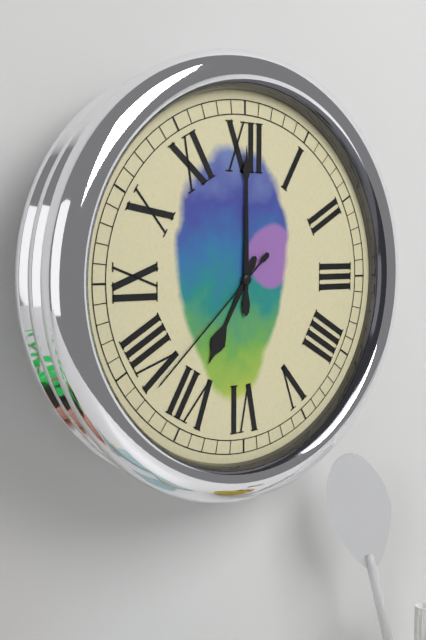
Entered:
7 h 00 min 38 s
